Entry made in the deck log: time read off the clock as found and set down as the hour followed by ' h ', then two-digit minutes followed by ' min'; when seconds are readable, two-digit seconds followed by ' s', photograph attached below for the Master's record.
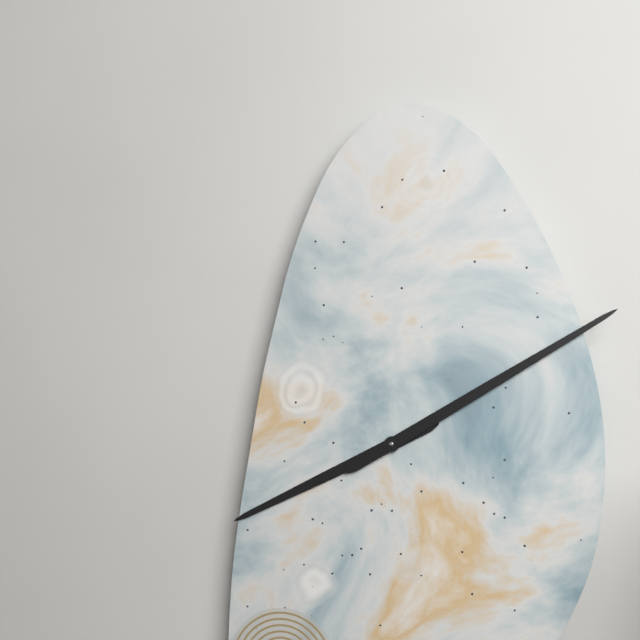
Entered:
8 h 10 min
